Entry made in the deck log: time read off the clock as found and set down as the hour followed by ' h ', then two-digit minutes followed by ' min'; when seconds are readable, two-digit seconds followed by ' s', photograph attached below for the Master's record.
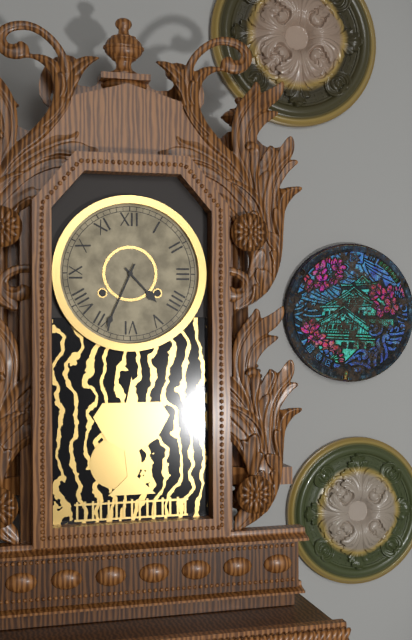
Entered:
4 h 34 min
